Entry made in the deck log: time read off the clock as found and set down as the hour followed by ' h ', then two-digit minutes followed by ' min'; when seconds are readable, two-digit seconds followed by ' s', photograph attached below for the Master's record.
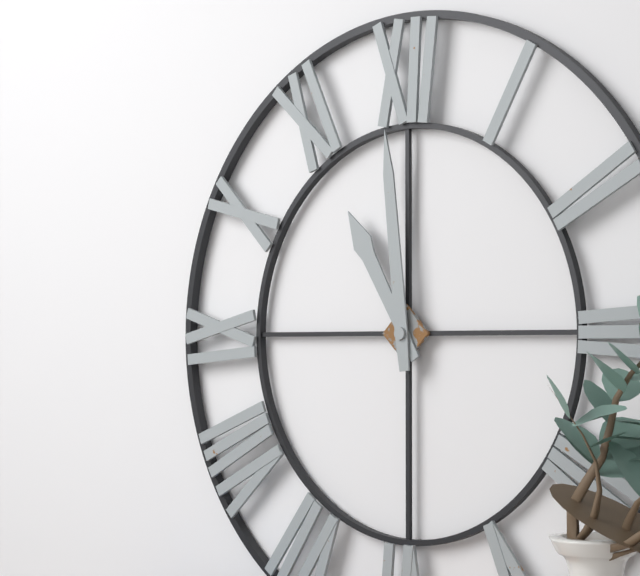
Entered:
10 h 59 min
